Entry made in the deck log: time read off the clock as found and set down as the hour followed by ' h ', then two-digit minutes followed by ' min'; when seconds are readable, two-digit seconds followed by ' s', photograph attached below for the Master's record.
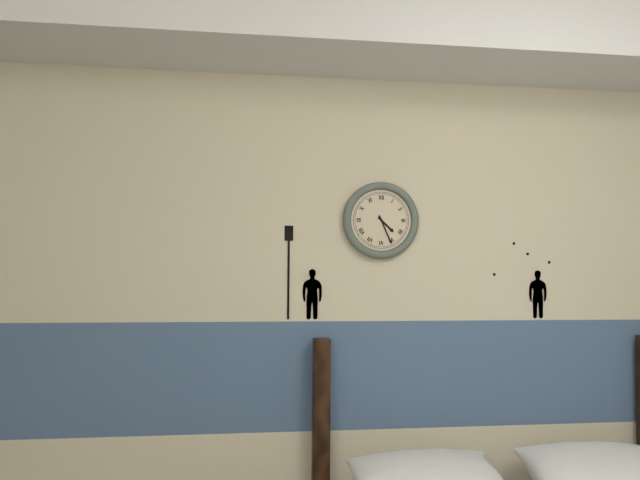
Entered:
4 h 26 min
